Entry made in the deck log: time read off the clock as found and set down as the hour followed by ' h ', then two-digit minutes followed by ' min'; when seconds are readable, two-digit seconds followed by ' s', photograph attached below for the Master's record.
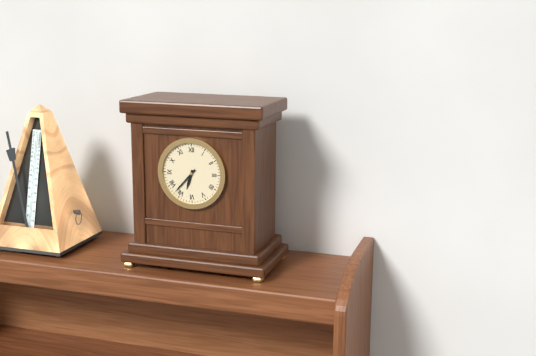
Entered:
6 h 37 min
